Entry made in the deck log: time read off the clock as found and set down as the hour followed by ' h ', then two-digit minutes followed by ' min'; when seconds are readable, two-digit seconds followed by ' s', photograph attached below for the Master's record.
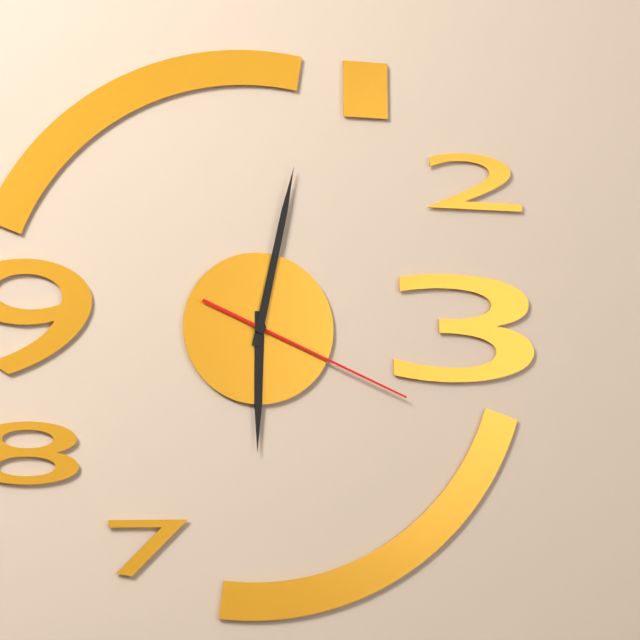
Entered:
6 h 02 min 19 s
